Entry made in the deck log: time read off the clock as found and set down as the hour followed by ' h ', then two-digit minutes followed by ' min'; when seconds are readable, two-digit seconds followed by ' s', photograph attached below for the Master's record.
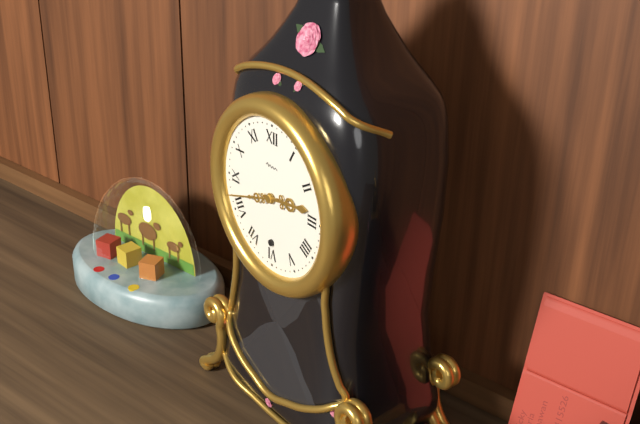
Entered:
2 h 42 min
